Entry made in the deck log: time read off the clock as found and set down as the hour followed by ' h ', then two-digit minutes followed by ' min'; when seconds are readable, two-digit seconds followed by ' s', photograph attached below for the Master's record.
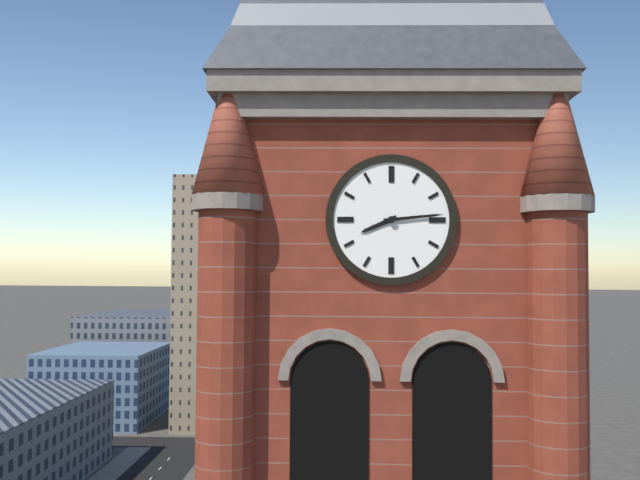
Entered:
8 h 14 min
